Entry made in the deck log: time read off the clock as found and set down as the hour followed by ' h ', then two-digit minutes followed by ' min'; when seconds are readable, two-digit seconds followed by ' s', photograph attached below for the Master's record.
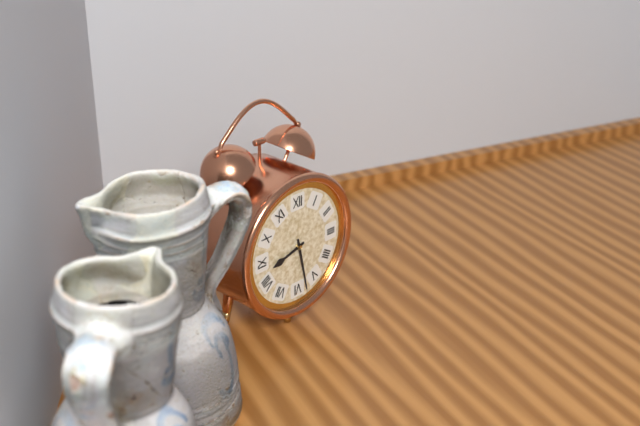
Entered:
8 h 28 min
